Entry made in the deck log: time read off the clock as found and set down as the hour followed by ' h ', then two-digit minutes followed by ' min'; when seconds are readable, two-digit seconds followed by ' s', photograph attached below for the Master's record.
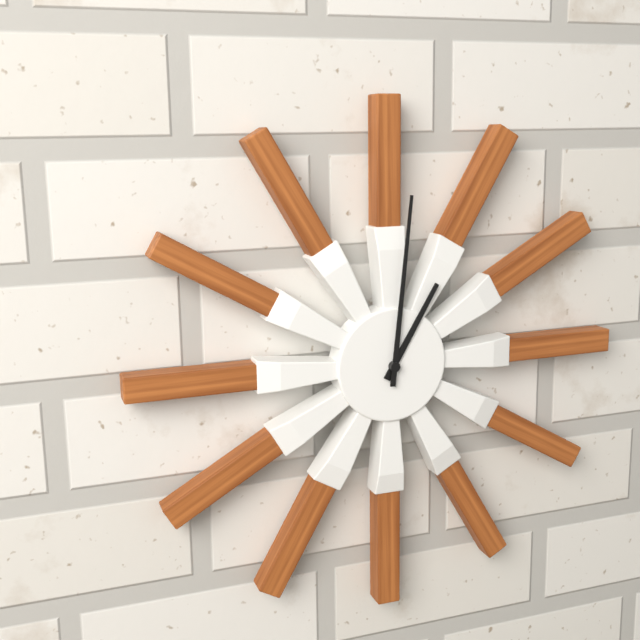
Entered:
1 h 01 min
